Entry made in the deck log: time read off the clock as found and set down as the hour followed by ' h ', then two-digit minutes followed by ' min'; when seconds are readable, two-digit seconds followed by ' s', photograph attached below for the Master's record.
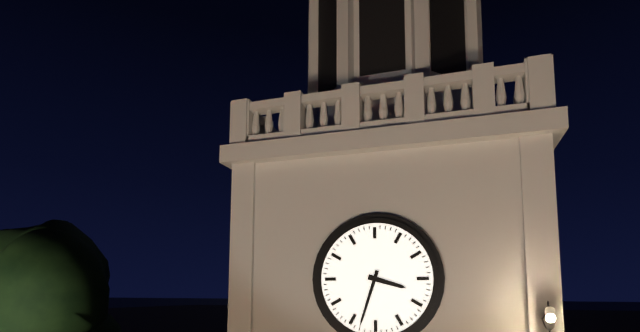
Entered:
3 h 33 min
